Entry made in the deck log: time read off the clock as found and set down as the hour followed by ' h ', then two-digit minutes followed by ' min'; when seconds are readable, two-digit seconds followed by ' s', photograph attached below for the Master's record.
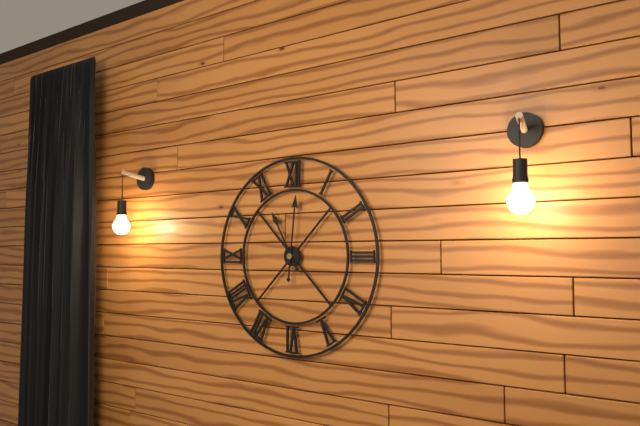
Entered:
11 h 01 min
